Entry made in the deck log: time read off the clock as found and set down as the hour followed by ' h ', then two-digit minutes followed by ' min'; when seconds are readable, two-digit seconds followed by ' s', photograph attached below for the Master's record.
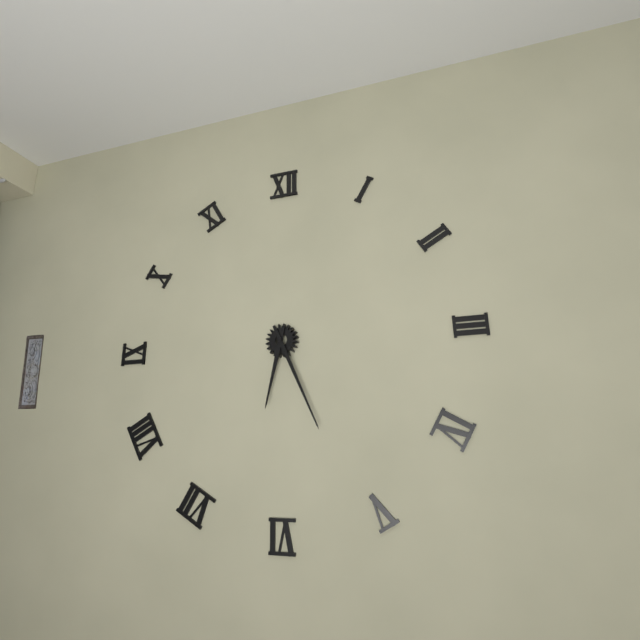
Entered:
6 h 26 min
